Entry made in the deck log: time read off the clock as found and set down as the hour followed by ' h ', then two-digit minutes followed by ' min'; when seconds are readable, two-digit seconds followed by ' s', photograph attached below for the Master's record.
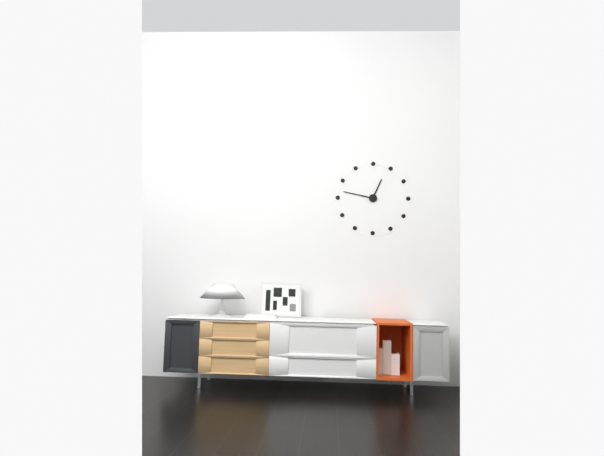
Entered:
12 h 47 min
